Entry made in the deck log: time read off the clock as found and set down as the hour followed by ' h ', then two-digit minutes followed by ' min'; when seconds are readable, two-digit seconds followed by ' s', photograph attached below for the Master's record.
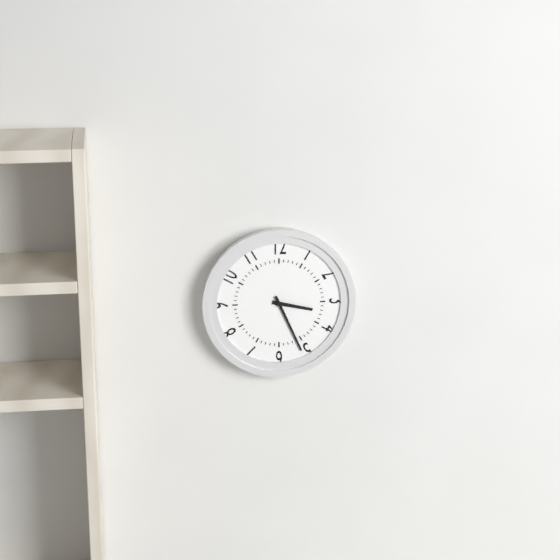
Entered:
3 h 26 min
